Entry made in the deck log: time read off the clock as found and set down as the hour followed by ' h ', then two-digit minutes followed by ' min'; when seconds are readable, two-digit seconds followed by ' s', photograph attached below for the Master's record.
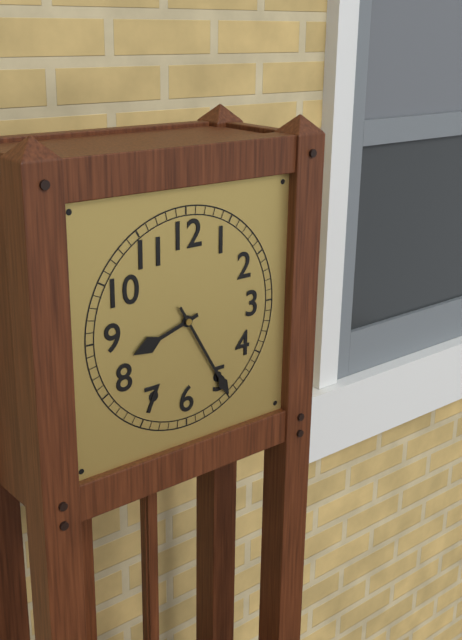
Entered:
8 h 25 min
